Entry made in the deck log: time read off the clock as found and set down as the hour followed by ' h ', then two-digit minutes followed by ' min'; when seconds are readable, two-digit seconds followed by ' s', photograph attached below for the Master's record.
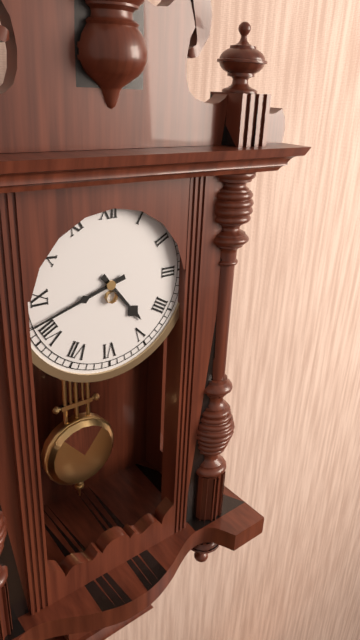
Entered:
4 h 42 min
